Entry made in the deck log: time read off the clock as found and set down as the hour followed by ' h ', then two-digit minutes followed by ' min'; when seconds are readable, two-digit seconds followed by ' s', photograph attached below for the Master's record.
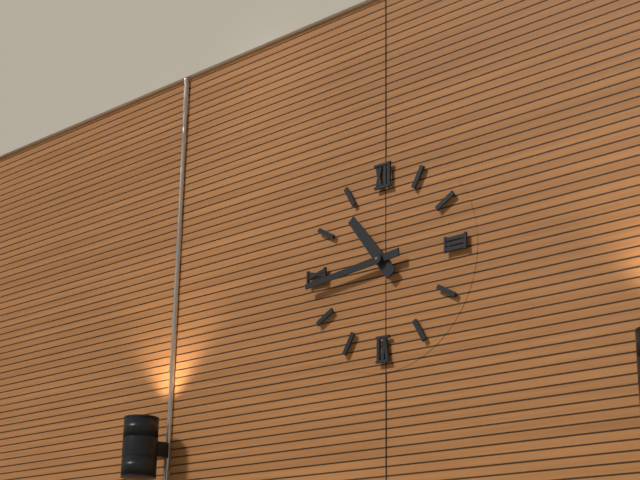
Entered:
10 h 44 min
